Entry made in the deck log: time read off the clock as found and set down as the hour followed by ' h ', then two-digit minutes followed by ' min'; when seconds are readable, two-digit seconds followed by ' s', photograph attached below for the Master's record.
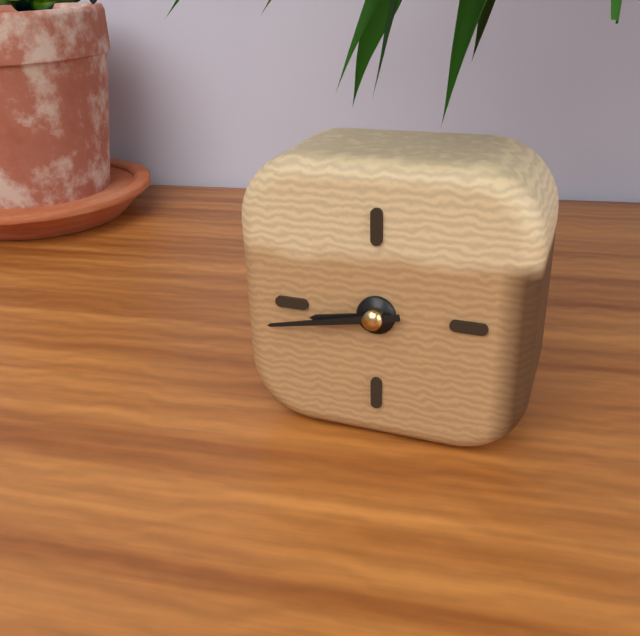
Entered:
8 h 43 min
